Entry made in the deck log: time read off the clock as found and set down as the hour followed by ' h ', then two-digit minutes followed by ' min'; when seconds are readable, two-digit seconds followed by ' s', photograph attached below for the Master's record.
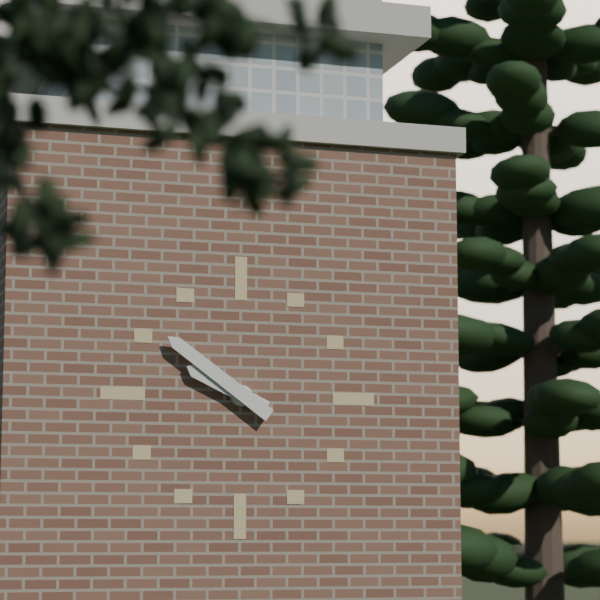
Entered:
9 h 51 min
